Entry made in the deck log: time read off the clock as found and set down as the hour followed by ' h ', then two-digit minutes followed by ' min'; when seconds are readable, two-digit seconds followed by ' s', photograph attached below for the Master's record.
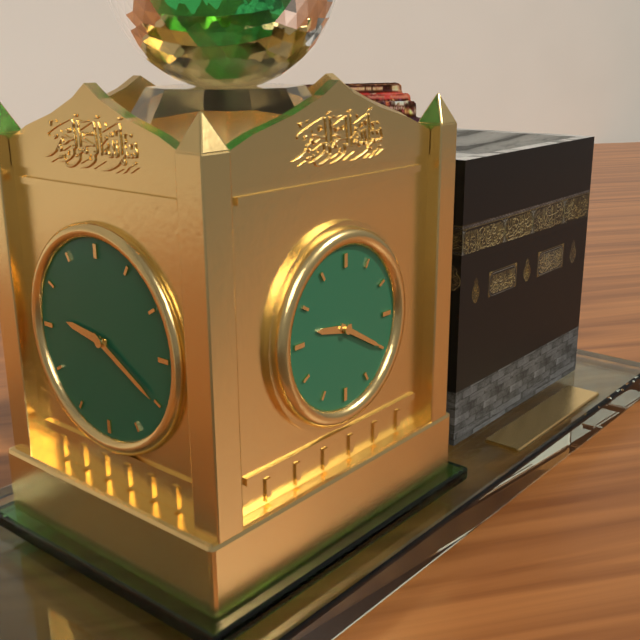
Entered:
9 h 20 min
